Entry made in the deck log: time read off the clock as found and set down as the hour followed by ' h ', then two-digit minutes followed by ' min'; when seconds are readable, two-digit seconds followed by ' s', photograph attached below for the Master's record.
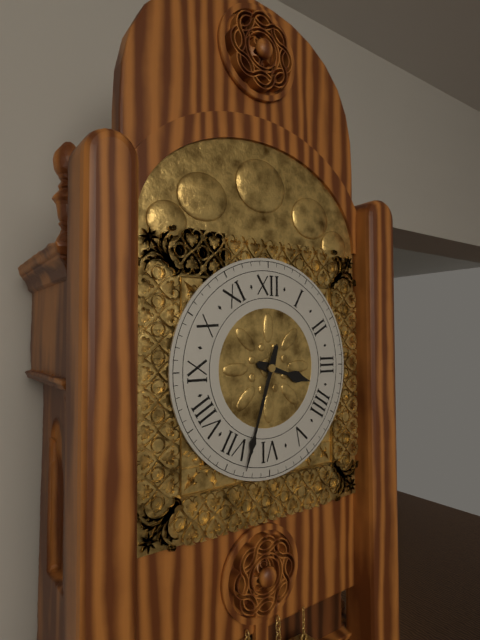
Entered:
3 h 33 min
